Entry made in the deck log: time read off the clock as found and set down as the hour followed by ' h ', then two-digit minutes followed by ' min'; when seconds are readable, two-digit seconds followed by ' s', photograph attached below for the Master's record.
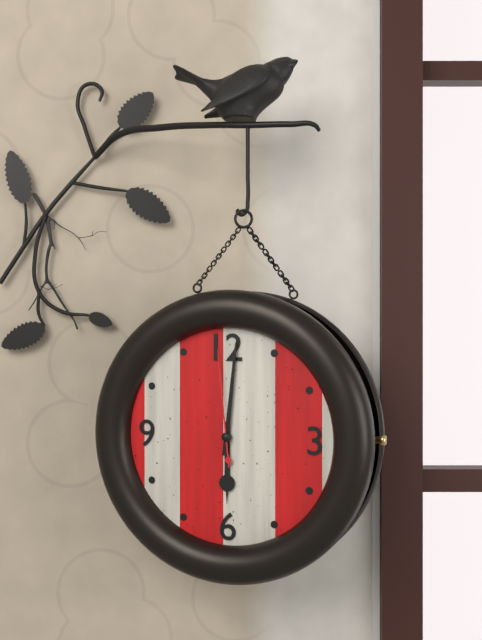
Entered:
6 h 01 min 59 s
